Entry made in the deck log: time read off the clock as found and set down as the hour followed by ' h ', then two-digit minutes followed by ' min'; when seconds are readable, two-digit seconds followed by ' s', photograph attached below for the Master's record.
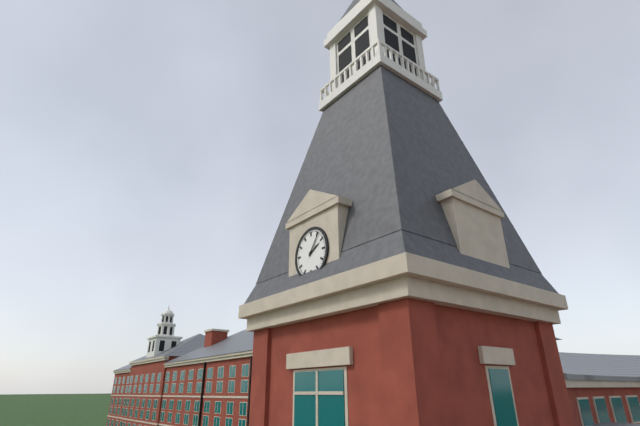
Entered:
2 h 06 min
